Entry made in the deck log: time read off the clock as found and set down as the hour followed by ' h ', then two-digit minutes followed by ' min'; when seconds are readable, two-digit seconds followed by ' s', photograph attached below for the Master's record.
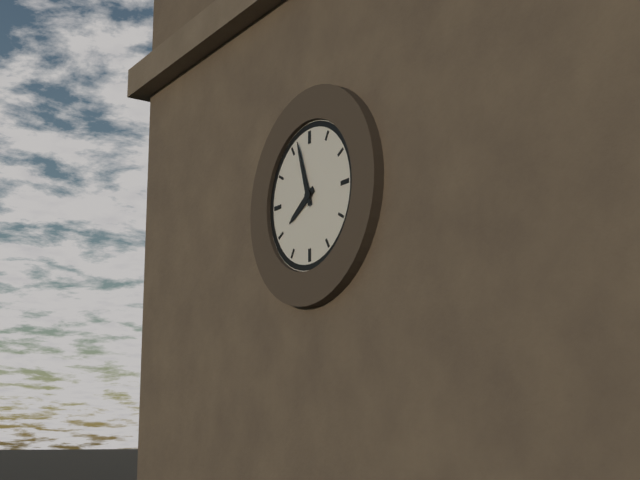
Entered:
7 h 57 min
